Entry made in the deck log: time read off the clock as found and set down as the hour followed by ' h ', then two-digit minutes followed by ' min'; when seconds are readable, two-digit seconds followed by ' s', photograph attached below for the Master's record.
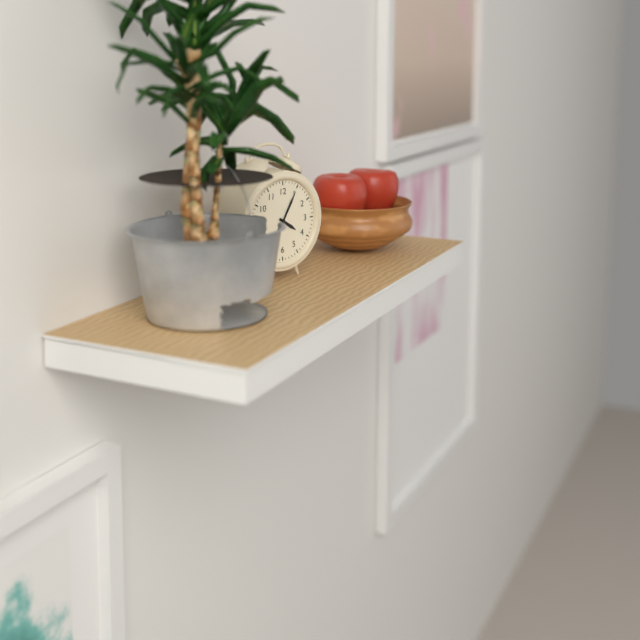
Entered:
4 h 05 min
